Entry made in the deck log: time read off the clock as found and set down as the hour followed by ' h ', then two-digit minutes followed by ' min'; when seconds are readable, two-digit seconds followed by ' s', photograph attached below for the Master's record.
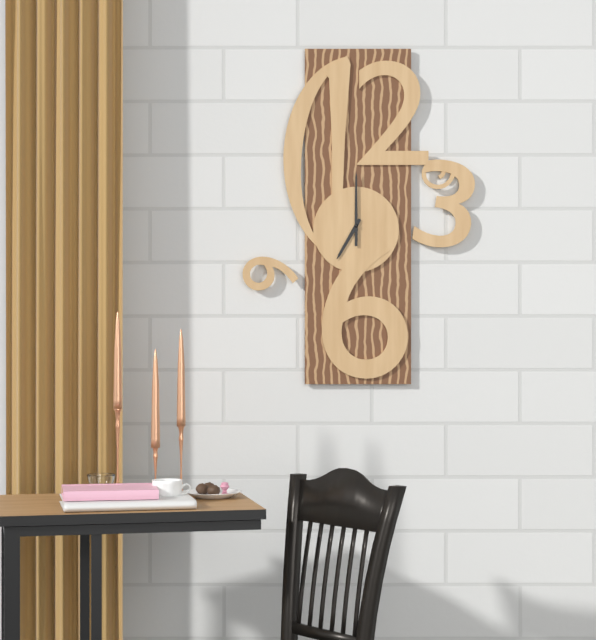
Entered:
7 h 00 min
